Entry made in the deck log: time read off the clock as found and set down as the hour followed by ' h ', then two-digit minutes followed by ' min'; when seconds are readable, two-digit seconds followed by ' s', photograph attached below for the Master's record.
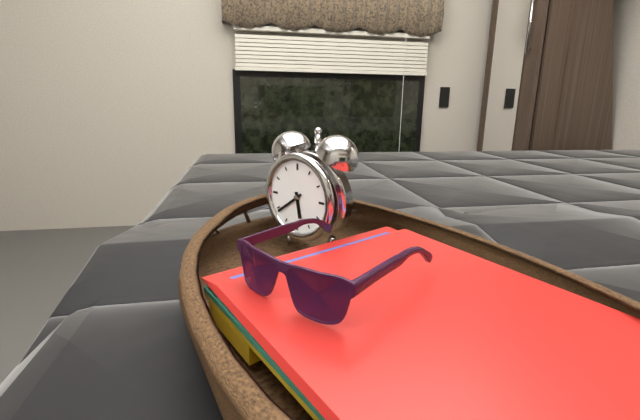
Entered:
5 h 39 min
